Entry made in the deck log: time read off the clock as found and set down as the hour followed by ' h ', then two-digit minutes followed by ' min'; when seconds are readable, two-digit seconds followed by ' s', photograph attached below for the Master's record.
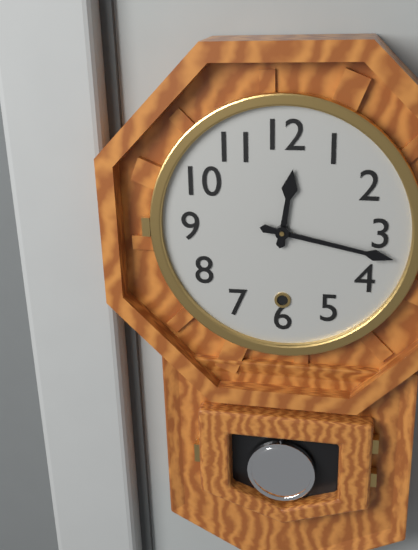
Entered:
12 h 17 min
